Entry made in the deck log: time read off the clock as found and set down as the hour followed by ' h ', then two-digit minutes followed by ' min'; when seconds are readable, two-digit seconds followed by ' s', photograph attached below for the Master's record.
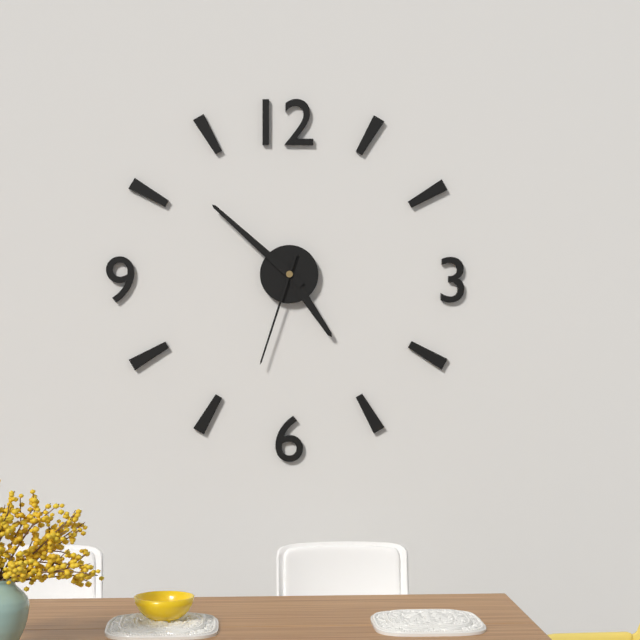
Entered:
4 h 52 min 33 s
